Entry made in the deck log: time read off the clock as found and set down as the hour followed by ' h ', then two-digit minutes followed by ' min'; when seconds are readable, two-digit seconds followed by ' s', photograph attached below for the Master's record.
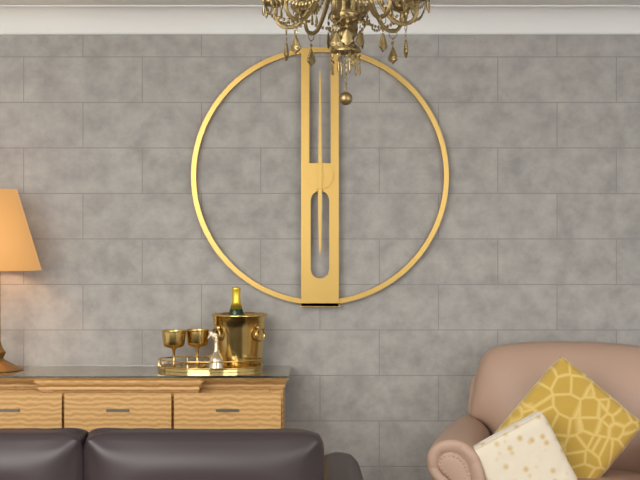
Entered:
6 h 00 min
